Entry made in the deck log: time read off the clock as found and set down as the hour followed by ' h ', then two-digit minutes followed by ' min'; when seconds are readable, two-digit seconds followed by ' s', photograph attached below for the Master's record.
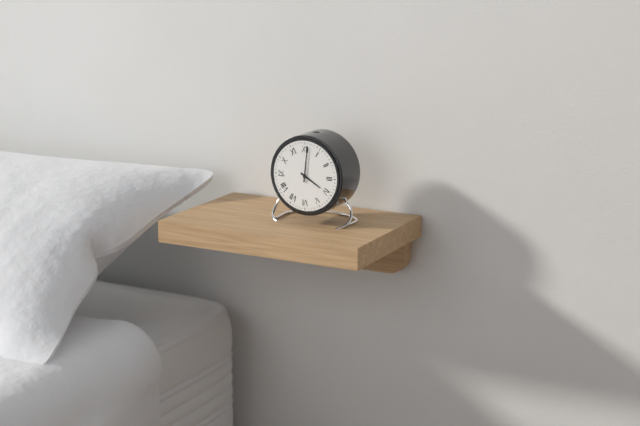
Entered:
4 h 01 min
